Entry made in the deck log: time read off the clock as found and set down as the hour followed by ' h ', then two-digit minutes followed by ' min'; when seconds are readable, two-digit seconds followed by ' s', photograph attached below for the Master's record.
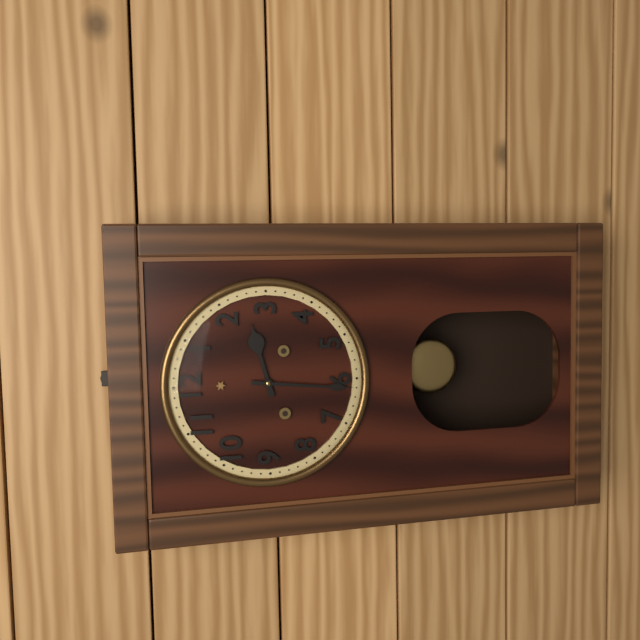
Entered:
2 h 31 min
